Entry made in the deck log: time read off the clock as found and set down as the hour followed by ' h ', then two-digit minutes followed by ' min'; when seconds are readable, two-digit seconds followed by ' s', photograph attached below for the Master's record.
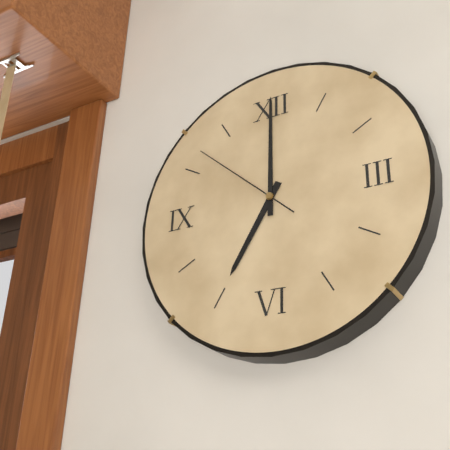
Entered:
7 h 00 min 52 s
